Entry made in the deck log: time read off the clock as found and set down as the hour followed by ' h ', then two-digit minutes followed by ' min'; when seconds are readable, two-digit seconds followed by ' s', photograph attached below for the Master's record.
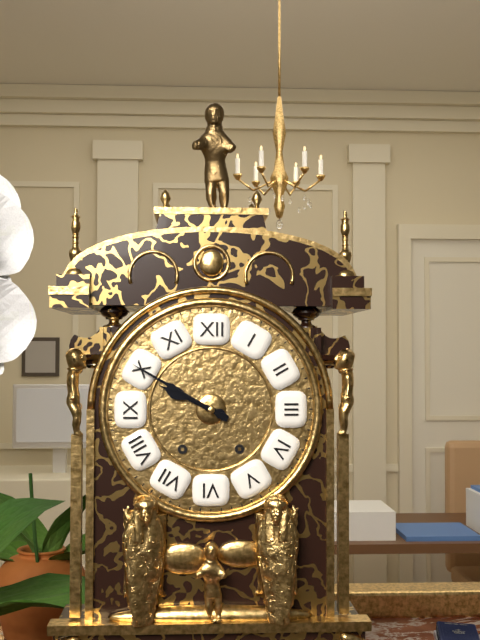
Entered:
9 h 50 min
